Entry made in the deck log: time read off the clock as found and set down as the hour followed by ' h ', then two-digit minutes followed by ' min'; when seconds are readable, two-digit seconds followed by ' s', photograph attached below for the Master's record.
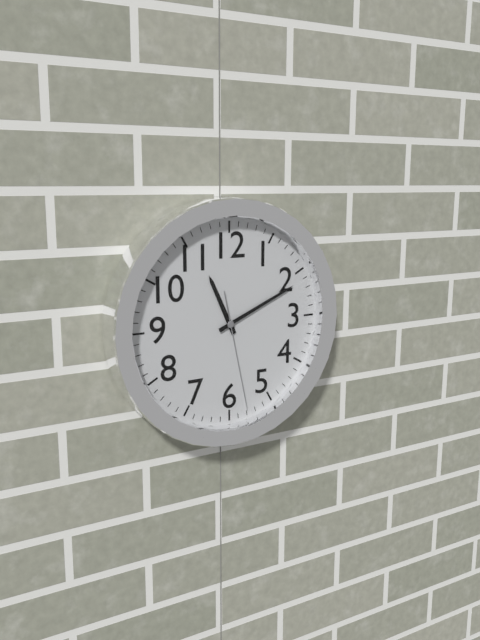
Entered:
11 h 11 min 28 s
